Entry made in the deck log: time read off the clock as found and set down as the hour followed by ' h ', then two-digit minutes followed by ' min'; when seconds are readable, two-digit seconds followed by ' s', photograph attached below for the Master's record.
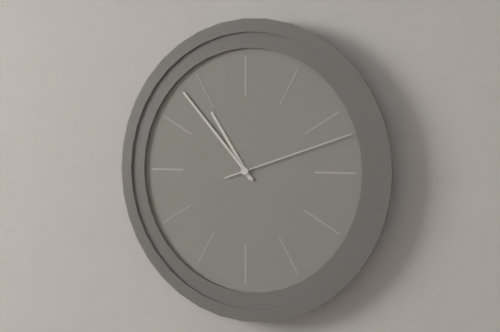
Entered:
10 h 53 min 12 s
